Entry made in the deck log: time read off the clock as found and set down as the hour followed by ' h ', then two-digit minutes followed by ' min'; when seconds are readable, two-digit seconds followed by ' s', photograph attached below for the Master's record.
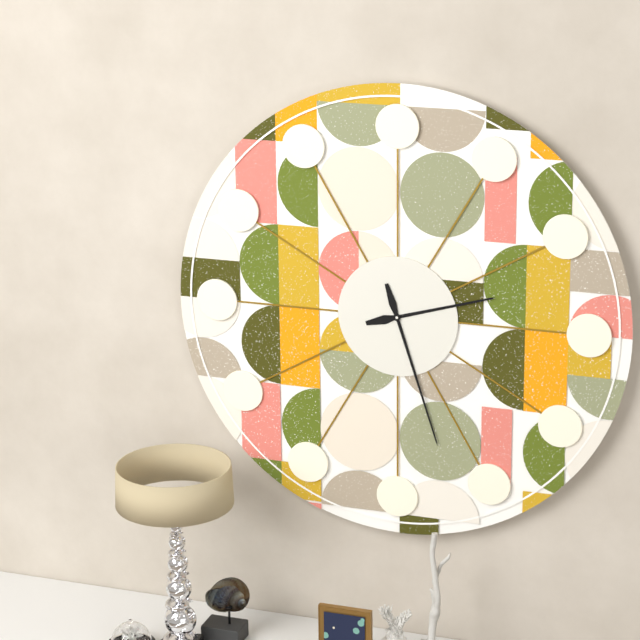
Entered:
2 h 27 min
